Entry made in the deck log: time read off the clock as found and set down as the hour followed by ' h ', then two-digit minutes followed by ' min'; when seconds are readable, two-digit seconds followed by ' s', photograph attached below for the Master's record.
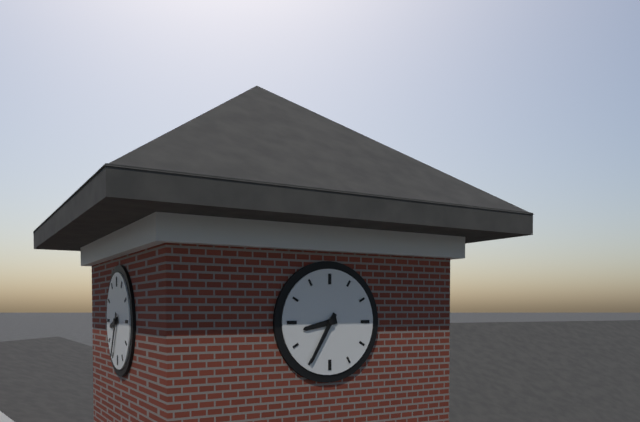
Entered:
8 h 35 min
